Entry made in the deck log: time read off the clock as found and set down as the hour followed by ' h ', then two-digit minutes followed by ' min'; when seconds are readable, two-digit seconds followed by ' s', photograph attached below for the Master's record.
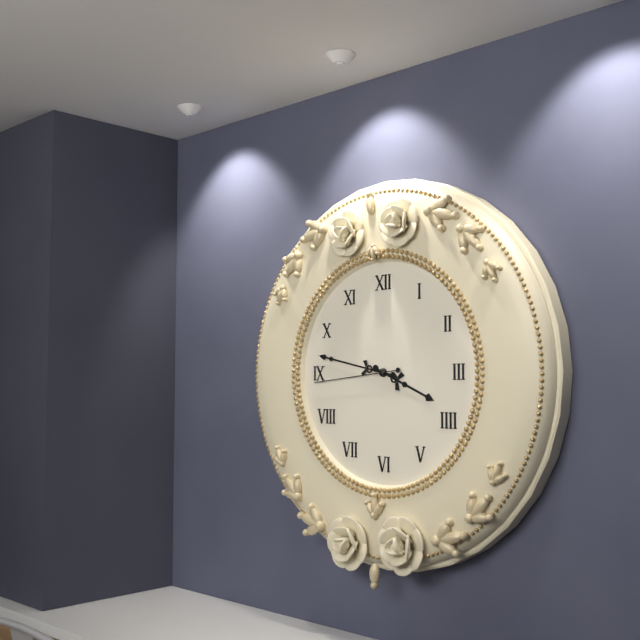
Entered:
3 h 47 min 44 s
